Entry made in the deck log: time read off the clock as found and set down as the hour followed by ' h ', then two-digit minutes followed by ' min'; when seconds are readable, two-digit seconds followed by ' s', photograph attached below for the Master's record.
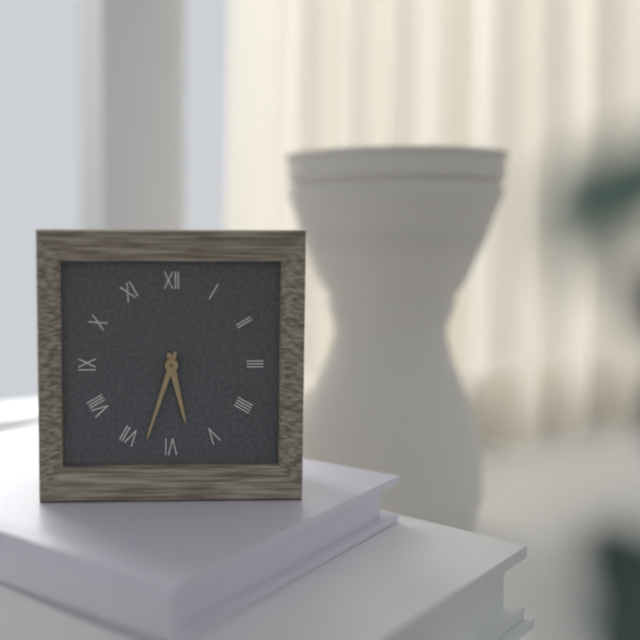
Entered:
5 h 33 min
